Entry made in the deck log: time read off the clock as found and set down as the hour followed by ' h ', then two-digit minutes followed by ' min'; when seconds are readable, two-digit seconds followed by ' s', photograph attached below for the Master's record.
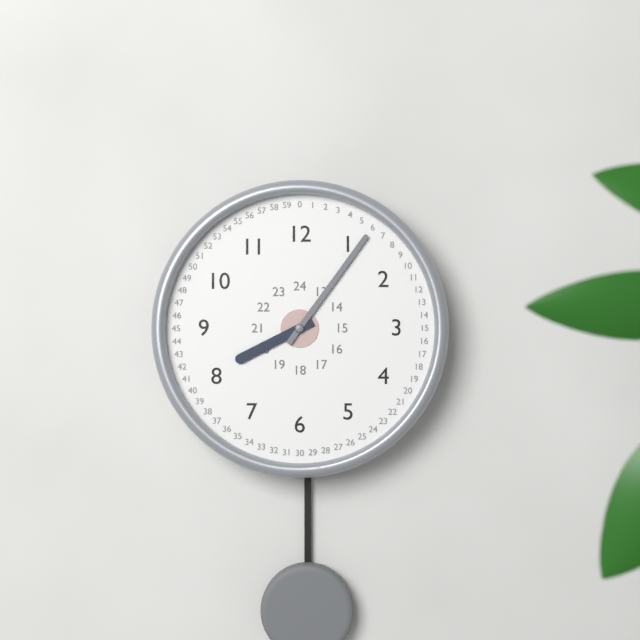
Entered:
8 h 06 min
